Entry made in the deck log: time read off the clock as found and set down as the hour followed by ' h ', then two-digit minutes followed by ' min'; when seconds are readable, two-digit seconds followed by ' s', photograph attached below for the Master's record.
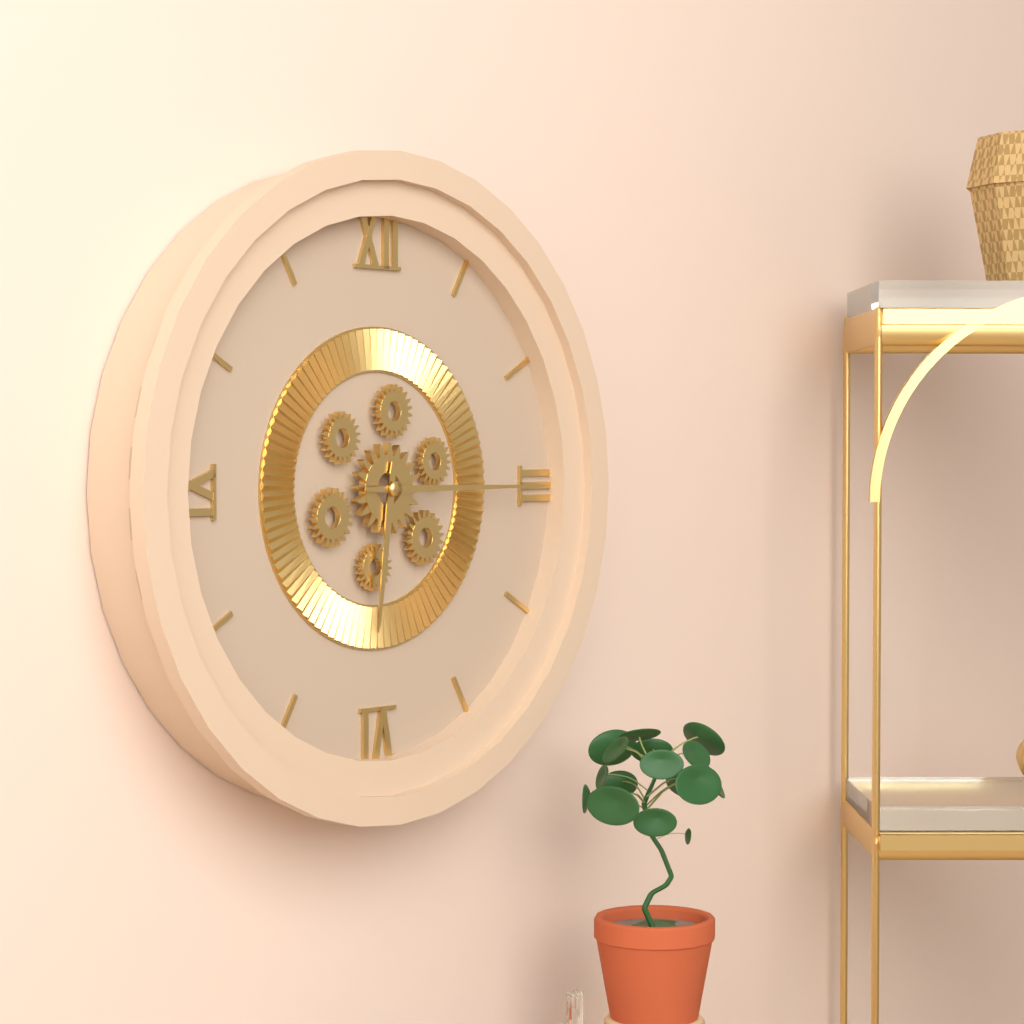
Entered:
6 h 15 min
